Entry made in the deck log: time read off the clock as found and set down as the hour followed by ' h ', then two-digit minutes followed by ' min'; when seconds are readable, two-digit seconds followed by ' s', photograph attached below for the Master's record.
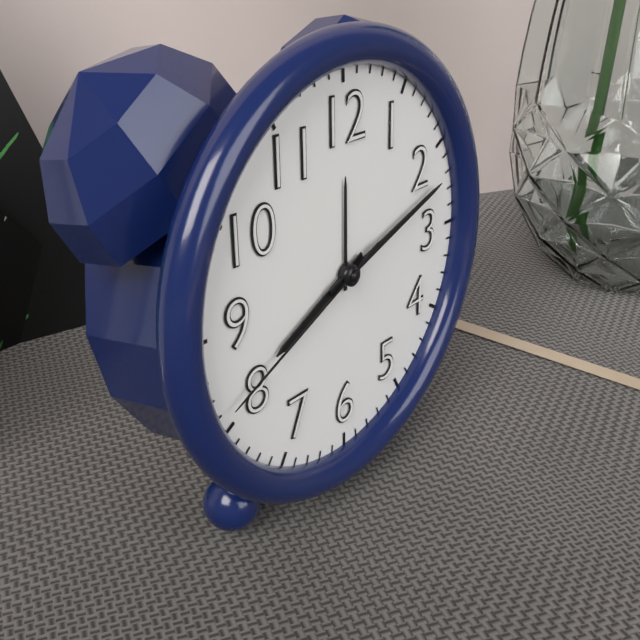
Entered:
8 h 12 min 41 s
